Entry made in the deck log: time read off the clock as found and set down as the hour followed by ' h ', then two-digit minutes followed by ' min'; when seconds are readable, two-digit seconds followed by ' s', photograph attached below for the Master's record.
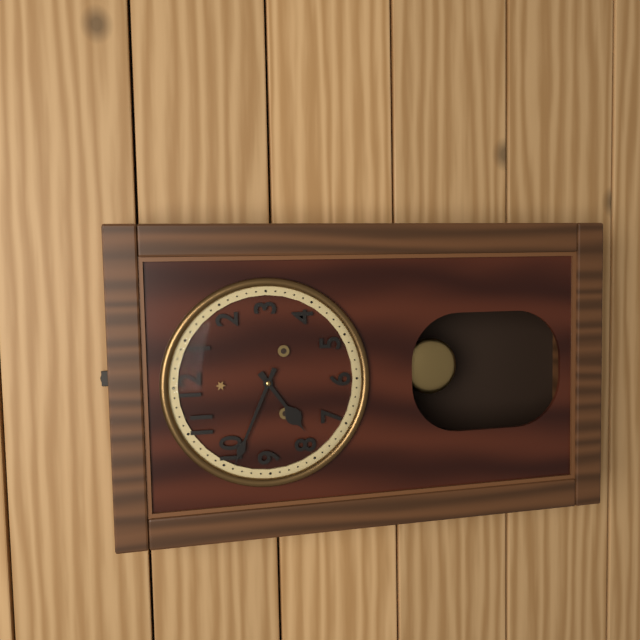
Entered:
7 h 49 min
